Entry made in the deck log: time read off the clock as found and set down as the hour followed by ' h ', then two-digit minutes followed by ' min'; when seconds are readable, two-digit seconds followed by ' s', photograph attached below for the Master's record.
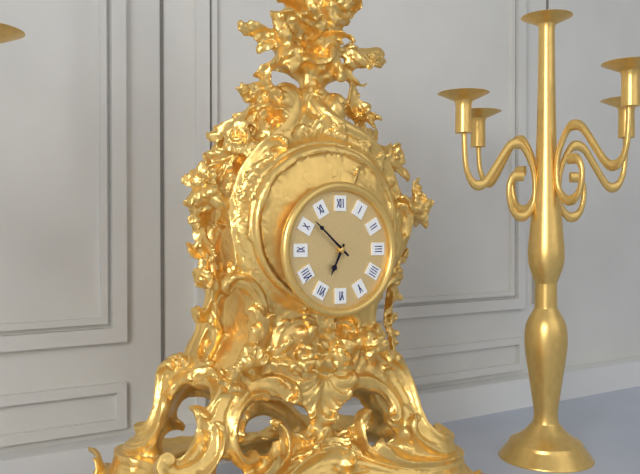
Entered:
6 h 52 min
